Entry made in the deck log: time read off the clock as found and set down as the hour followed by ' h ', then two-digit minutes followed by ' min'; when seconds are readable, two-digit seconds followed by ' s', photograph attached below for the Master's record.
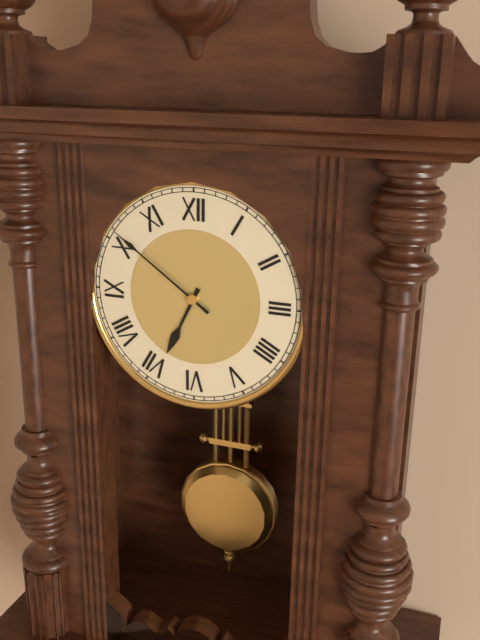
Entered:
6 h 51 min
